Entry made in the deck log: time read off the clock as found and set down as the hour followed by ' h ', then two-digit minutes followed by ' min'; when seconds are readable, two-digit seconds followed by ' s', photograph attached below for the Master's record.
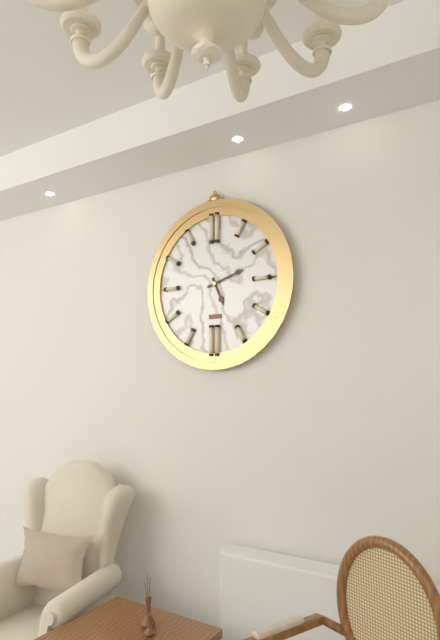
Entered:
5 h 12 min
